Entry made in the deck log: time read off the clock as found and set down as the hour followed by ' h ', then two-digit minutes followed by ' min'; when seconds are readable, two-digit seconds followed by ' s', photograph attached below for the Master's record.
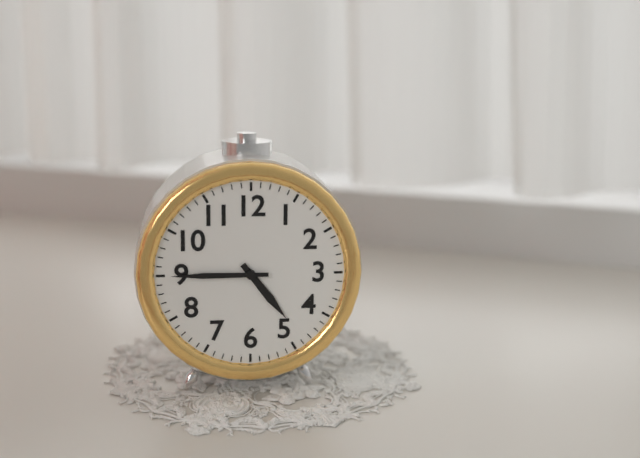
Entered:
4 h 45 min
